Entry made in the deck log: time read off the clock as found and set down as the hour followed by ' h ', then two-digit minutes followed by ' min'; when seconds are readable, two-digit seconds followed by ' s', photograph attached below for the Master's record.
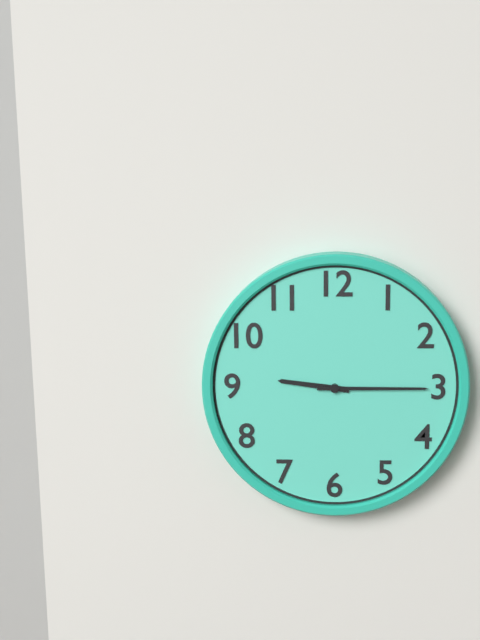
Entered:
9 h 15 min
